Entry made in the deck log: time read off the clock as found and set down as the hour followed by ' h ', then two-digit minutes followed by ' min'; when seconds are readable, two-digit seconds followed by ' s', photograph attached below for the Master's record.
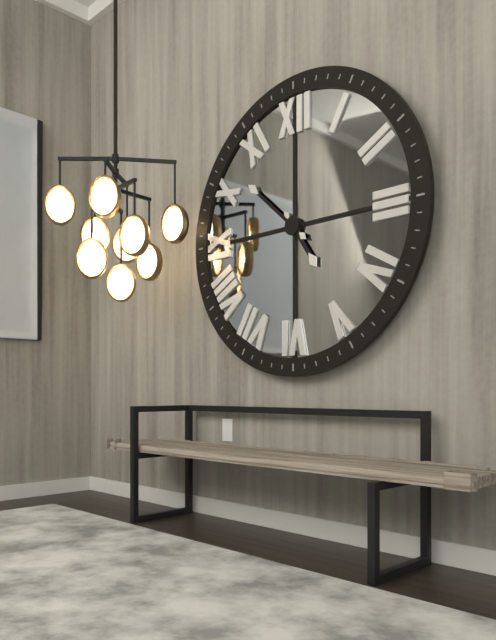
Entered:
4 h 52 min
